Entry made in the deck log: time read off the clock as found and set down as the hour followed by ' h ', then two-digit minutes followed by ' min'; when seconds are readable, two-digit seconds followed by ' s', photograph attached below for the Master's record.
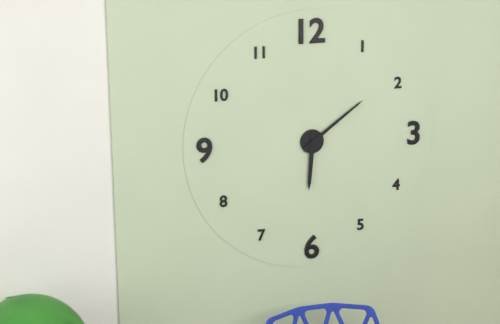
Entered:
6 h 09 min
